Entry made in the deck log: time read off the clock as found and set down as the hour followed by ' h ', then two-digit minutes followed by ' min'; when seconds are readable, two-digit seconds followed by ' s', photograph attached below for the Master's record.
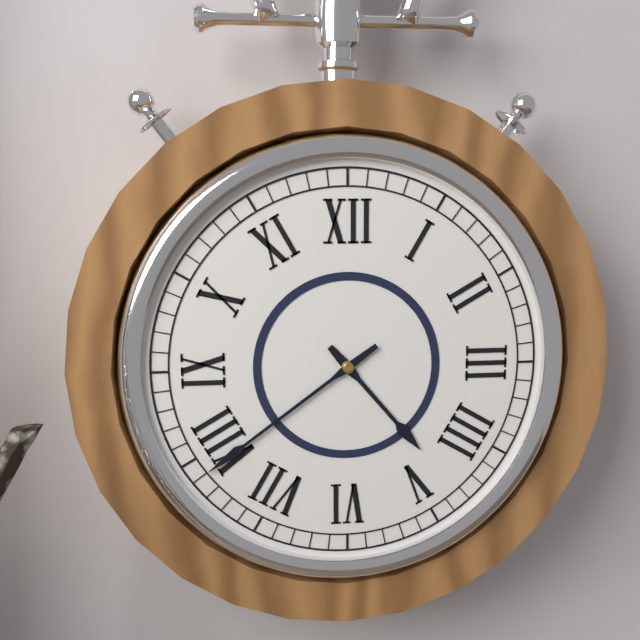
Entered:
4 h 39 min
